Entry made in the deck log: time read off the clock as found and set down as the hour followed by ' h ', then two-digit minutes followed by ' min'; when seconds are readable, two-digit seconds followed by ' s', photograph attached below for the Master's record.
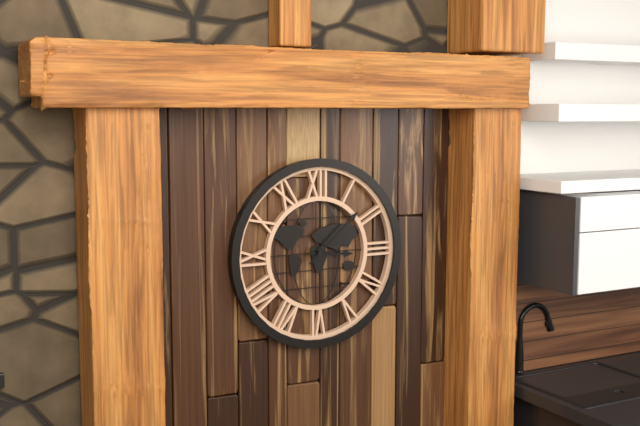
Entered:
3 h 08 min
